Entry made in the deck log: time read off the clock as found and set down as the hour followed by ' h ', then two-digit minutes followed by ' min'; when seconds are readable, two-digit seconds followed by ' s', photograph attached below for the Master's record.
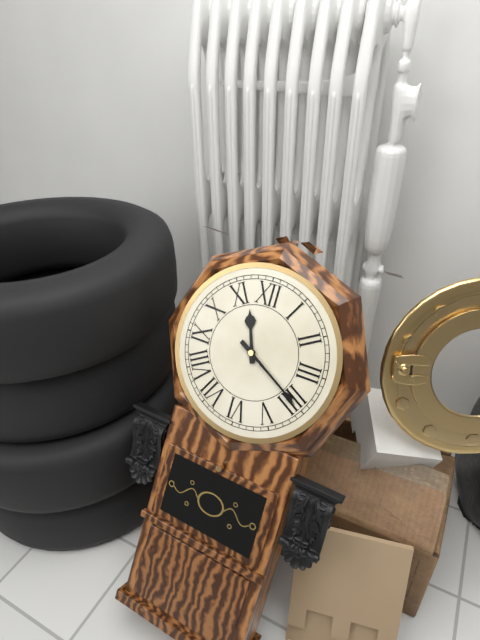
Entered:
11 h 20 min
